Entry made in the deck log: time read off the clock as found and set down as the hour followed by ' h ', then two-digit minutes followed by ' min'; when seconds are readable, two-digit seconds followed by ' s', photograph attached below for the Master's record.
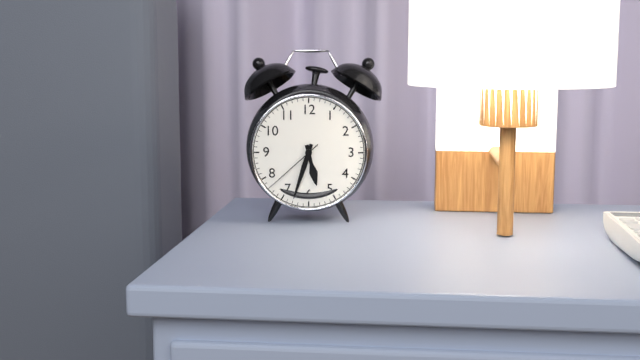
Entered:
5 h 33 min 38 s
